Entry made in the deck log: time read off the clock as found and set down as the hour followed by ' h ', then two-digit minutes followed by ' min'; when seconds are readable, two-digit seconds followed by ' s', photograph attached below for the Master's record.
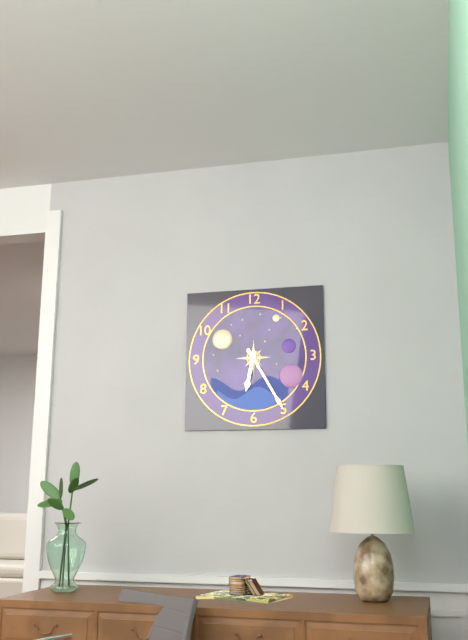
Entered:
6 h 25 min
